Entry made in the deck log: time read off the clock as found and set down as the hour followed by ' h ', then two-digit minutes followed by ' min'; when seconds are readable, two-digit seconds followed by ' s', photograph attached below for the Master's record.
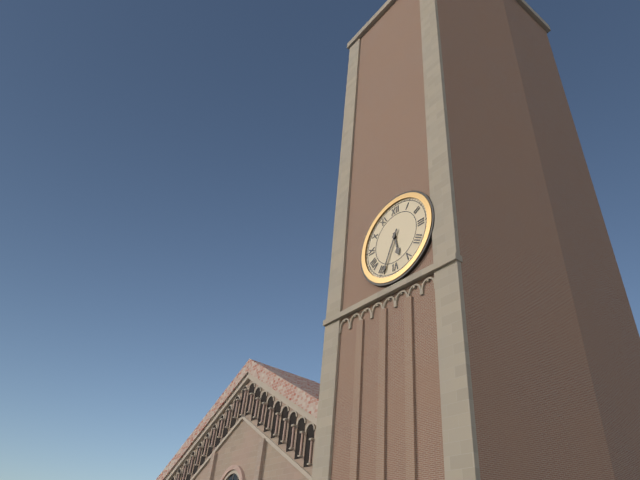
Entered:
5 h 34 min
